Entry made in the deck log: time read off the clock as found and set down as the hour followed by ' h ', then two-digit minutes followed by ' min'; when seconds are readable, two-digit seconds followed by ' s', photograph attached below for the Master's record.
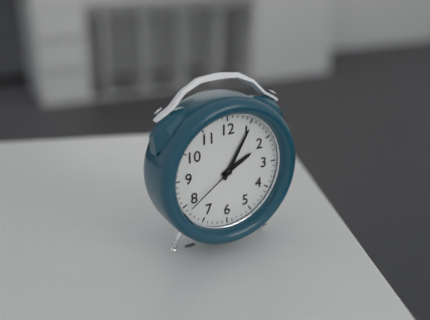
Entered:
2 h 05 min 39 s
